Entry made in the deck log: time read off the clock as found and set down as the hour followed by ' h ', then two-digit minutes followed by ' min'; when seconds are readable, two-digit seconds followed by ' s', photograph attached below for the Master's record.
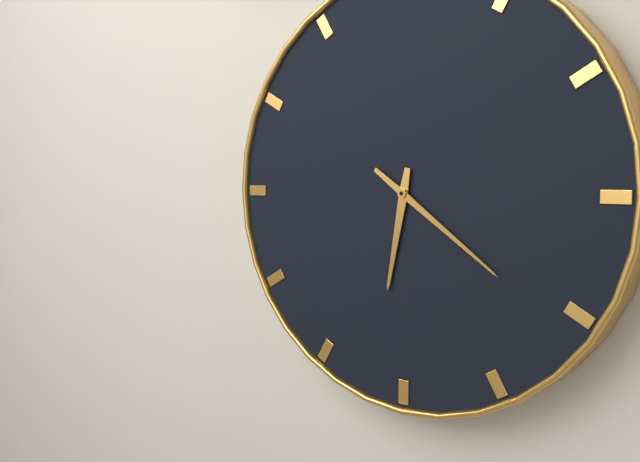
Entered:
6 h 21 min
